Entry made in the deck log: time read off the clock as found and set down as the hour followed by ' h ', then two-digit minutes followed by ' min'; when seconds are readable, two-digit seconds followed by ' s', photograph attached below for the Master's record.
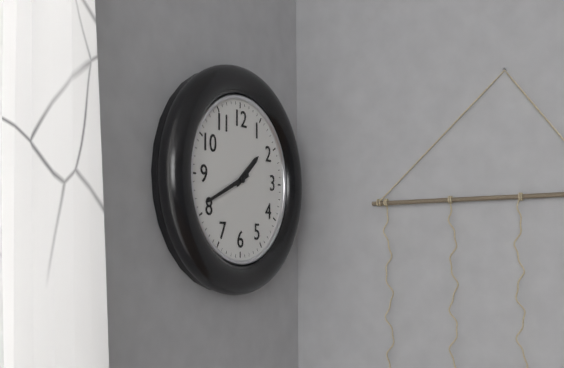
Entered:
1 h 41 min
